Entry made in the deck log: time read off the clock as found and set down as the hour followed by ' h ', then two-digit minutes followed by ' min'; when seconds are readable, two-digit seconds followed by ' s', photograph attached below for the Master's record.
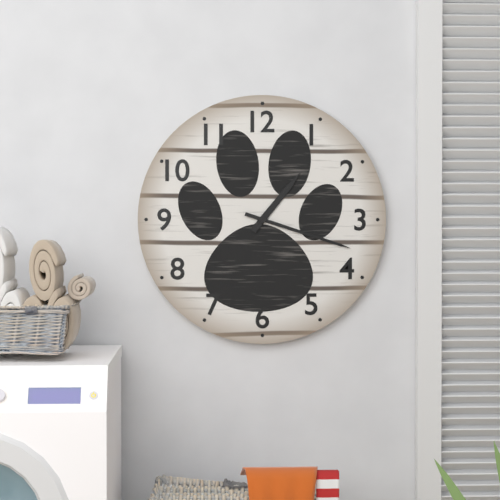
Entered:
1 h 18 min
